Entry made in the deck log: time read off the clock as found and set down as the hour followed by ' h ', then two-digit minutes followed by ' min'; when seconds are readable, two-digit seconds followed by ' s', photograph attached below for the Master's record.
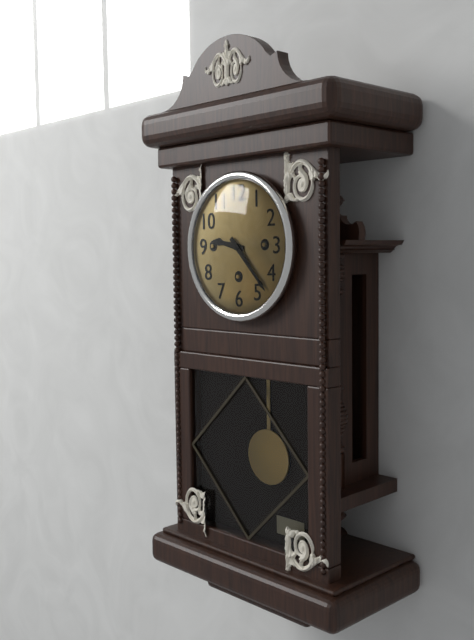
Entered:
9 h 23 min
